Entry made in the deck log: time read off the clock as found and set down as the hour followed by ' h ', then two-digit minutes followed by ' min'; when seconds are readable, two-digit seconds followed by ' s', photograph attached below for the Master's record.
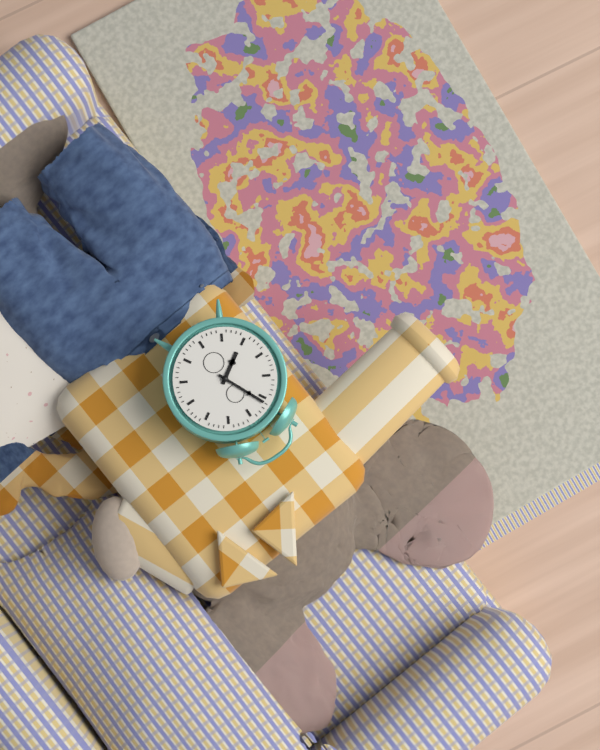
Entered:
7 h 56 min
